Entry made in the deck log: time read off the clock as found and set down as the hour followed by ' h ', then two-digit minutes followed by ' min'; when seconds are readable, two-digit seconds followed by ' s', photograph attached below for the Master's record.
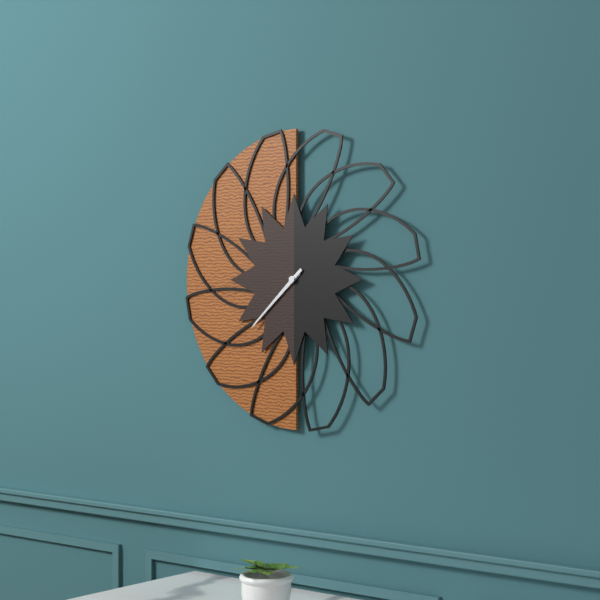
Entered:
7 h 38 min
